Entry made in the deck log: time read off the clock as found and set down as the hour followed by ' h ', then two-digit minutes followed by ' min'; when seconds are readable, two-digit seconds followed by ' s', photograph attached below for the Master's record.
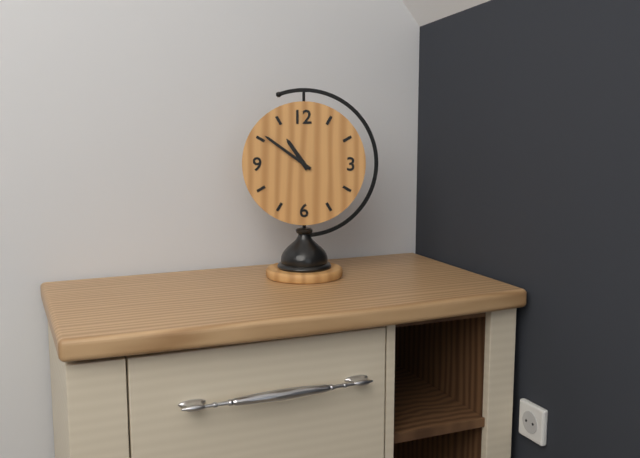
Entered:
10 h 51 min
